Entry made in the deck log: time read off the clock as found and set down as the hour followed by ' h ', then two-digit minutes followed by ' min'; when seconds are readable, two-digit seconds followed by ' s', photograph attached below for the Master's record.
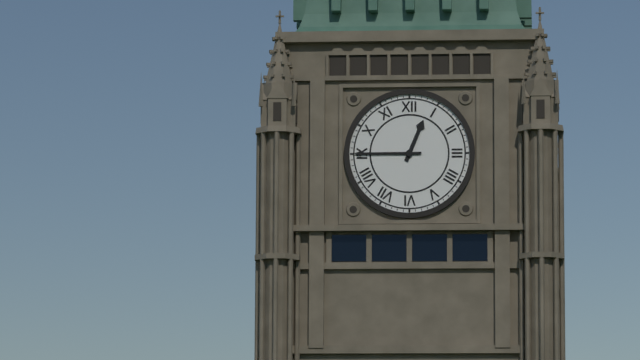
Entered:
12 h 45 min
